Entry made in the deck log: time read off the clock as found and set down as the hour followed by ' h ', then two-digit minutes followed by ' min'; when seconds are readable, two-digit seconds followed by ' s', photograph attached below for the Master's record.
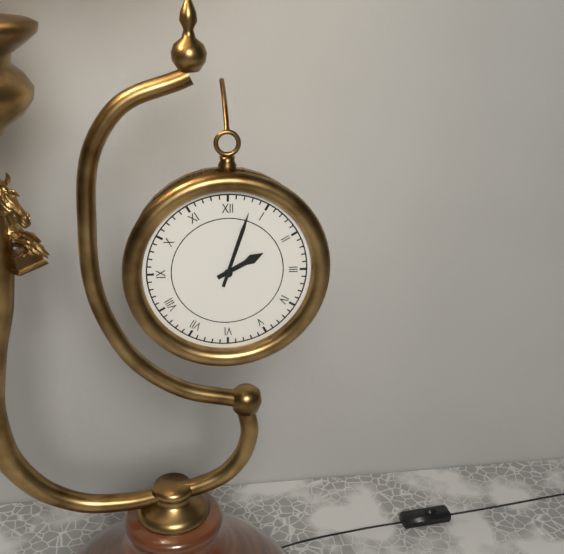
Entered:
2 h 03 min
